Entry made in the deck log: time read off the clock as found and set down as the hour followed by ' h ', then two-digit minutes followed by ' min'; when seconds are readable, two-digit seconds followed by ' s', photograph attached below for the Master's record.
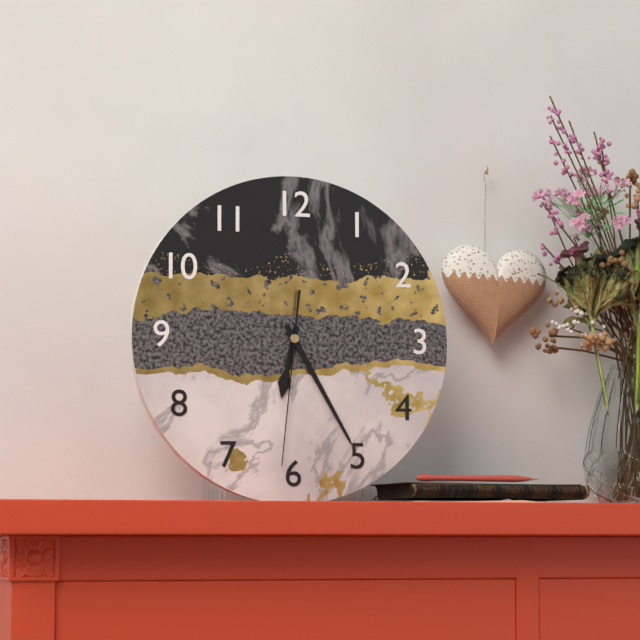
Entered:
6 h 25 min 31 s
